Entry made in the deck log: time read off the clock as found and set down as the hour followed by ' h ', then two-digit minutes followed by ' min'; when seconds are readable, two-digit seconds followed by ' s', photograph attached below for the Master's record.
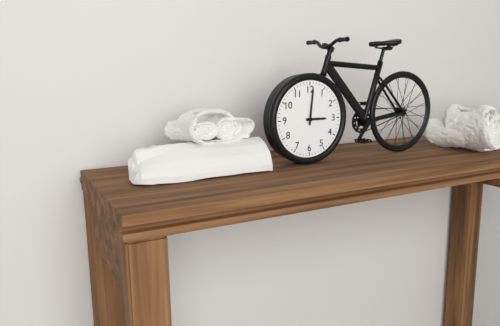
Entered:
3 h 01 min
